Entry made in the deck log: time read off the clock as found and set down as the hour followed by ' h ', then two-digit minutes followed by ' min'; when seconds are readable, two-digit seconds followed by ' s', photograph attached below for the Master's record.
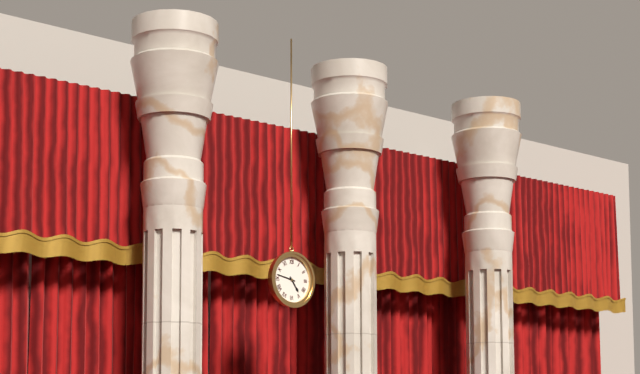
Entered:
4 h 47 min
